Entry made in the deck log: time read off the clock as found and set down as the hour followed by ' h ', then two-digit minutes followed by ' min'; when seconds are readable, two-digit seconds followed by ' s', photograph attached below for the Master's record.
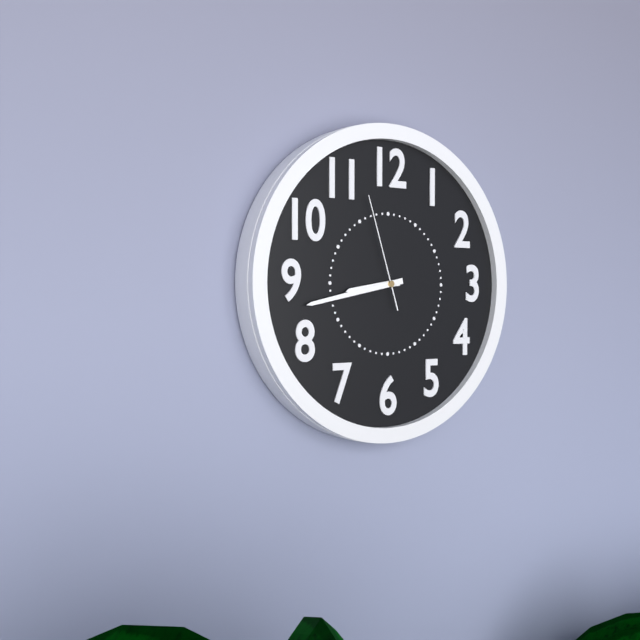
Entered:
8 h 43 min 57 s
